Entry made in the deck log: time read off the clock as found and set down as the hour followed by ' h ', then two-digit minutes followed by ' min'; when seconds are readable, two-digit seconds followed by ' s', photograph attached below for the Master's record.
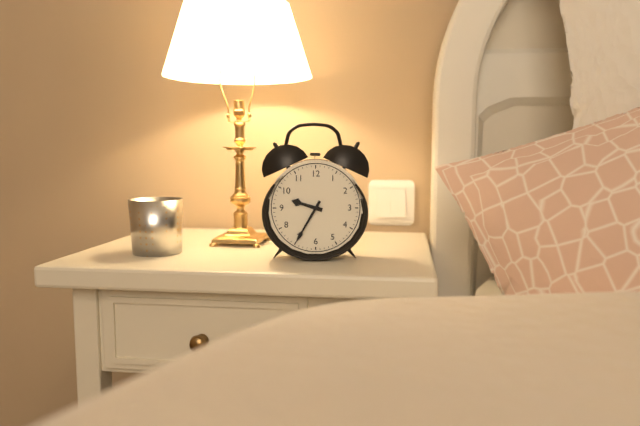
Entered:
9 h 35 min
